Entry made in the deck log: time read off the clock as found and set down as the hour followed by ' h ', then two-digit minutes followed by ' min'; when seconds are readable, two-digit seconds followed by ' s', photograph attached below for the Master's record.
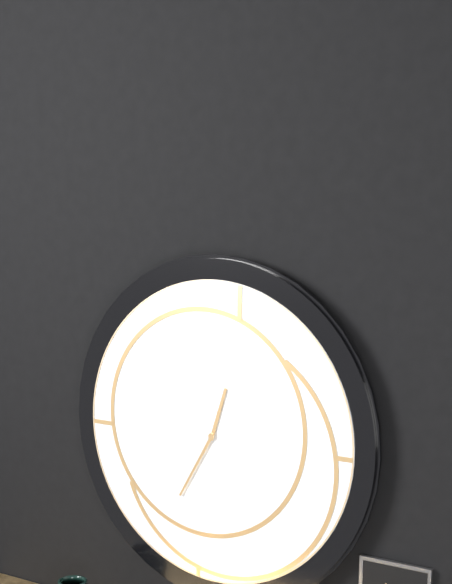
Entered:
12 h 35 min
